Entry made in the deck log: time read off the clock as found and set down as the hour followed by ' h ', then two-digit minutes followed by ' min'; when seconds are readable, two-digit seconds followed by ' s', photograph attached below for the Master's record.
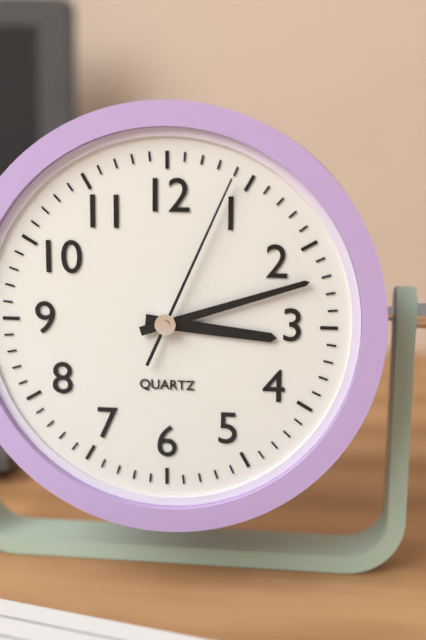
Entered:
3 h 12 min 04 s
